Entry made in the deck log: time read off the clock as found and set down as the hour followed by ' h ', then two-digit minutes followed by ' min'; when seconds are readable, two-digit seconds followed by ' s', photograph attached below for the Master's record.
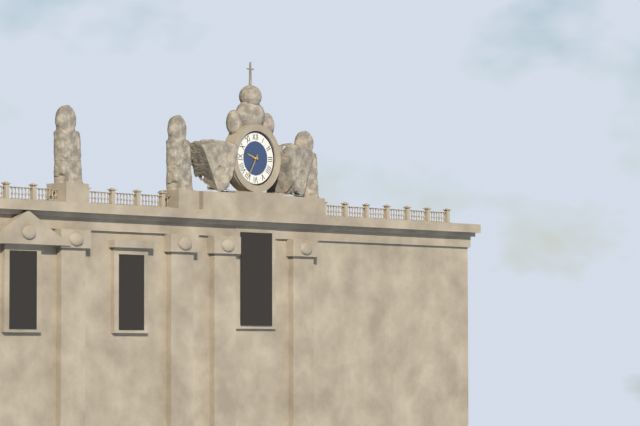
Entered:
9 h 35 min
